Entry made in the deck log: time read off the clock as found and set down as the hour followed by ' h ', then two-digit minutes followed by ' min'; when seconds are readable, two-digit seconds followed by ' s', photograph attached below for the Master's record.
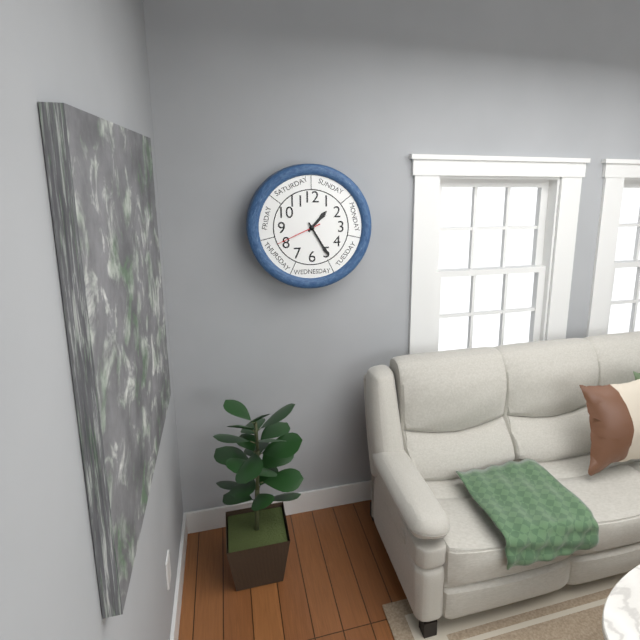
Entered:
1 h 25 min
